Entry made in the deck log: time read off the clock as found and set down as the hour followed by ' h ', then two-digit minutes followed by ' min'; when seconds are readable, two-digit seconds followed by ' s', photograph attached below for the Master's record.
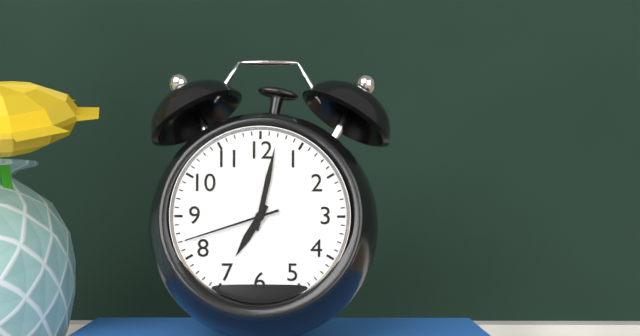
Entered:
7 h 02 min 42 s
